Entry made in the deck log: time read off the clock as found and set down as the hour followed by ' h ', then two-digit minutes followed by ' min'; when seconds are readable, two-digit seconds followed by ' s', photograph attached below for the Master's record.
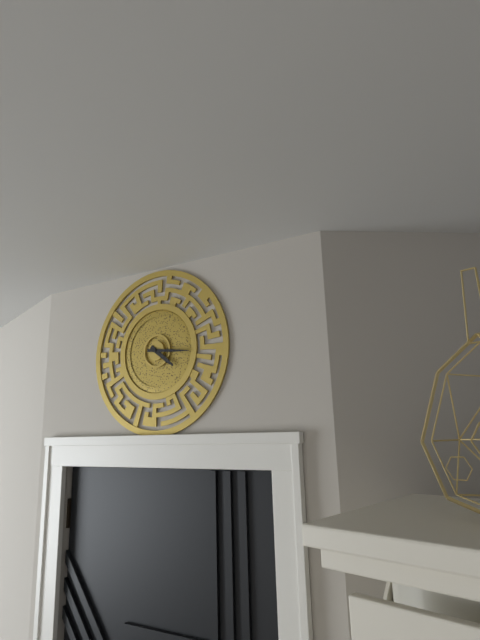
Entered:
4 h 16 min
